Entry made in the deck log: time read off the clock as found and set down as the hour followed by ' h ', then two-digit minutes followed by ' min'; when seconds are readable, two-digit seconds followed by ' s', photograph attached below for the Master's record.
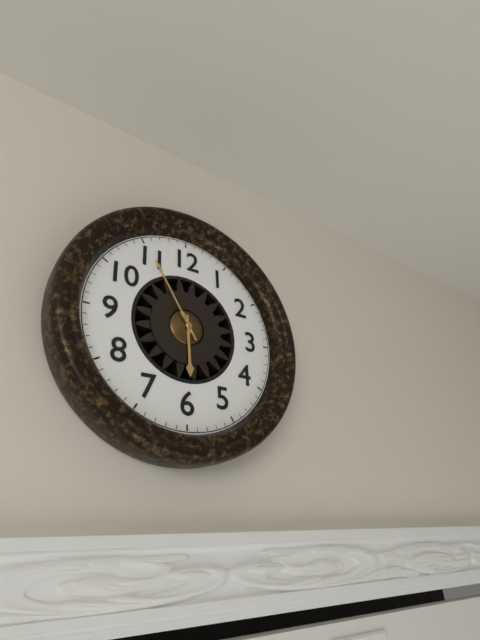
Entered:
5 h 55 min
